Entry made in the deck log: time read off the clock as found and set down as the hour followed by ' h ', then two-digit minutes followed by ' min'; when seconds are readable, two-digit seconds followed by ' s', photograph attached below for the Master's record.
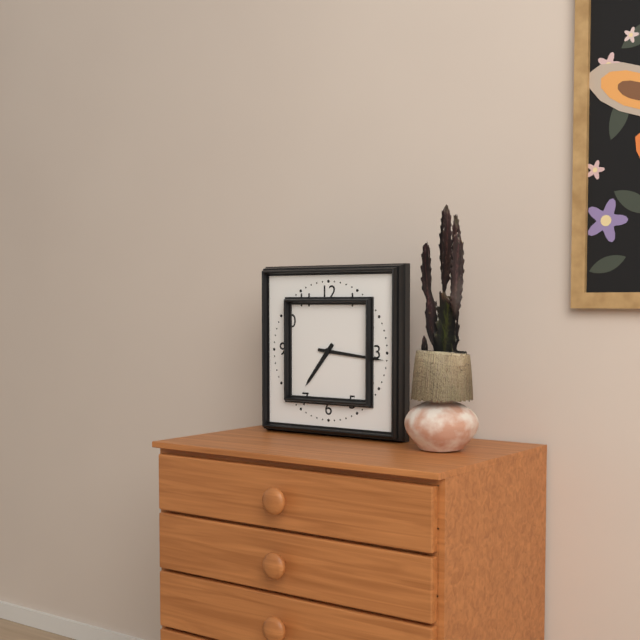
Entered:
7 h 16 min
